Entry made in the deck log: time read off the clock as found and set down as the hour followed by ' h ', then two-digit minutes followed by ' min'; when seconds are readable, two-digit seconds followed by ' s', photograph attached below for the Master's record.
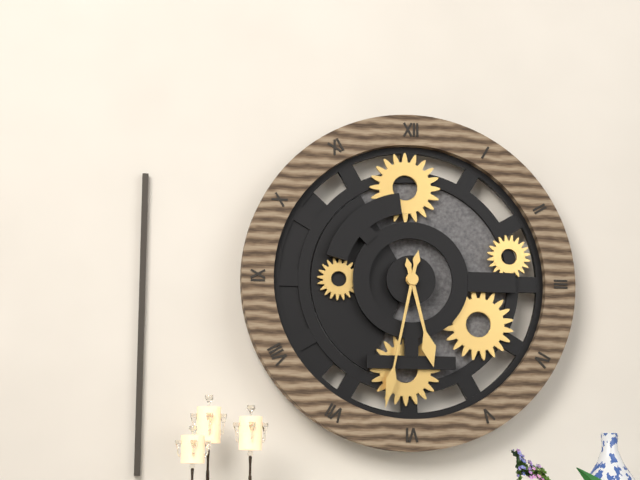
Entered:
5 h 32 min
